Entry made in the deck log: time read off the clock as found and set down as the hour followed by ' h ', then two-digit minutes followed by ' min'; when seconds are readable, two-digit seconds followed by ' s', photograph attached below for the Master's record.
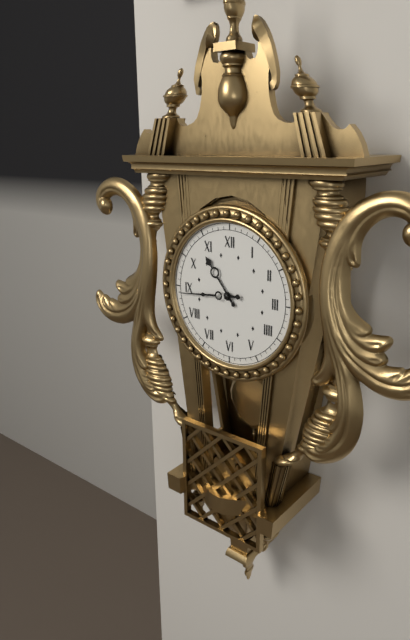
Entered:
10 h 44 min
